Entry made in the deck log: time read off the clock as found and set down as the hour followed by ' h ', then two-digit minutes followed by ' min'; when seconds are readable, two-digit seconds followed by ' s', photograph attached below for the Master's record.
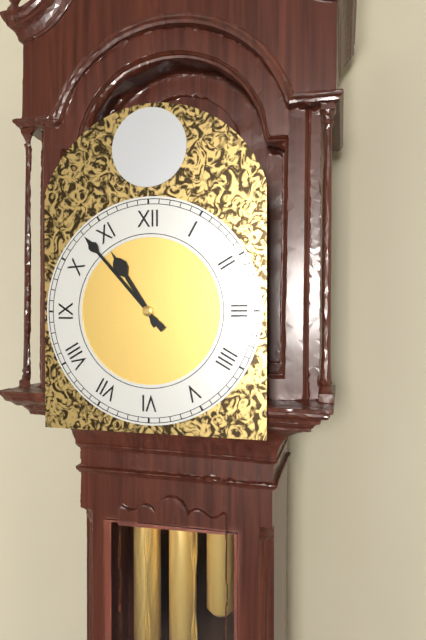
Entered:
10 h 53 min
